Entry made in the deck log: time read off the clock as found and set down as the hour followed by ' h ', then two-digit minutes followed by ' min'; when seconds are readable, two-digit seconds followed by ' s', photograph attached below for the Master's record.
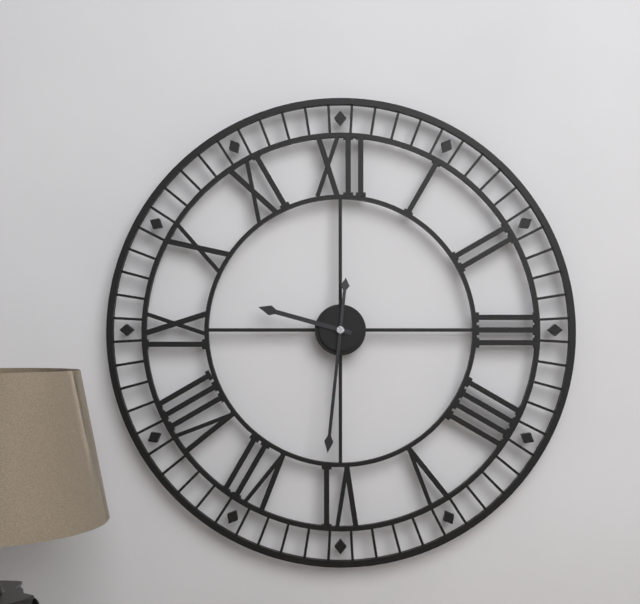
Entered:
9 h 31 min
